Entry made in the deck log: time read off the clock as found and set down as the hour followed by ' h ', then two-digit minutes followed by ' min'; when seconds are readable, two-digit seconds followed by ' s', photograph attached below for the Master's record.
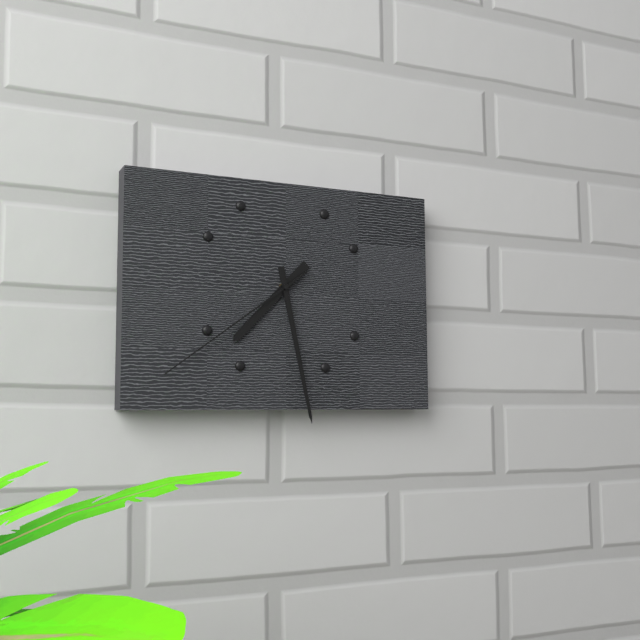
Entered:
7 h 28 min 39 s
